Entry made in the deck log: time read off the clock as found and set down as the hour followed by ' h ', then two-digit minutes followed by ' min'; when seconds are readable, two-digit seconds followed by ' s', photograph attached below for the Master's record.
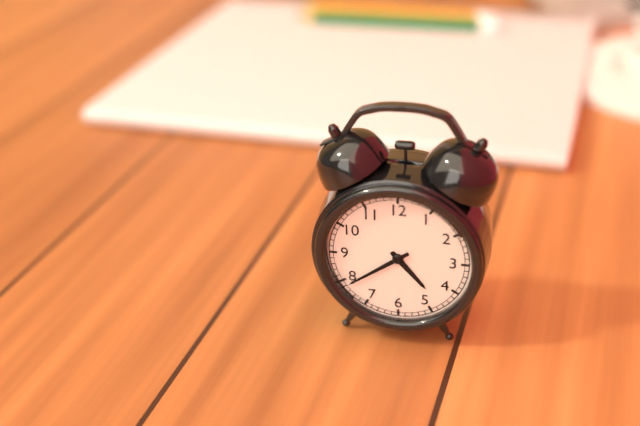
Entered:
4 h 39 min
